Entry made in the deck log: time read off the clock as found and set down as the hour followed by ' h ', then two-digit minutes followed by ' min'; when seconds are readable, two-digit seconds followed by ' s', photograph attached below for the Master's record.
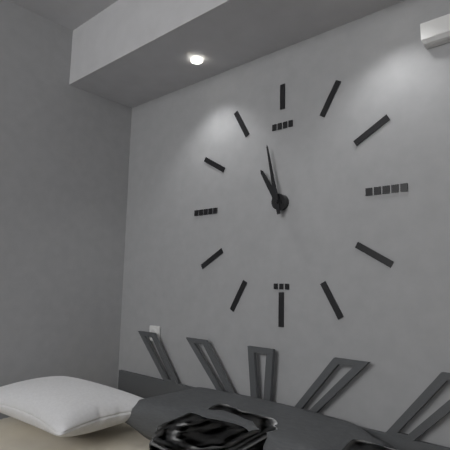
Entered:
10 h 58 min
